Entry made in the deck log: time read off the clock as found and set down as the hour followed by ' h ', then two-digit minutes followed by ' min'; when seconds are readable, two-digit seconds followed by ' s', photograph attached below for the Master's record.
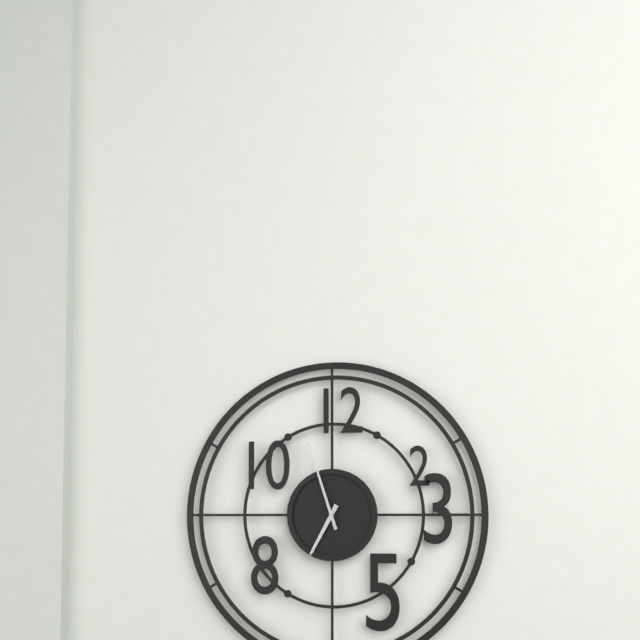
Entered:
6 h 57 min
